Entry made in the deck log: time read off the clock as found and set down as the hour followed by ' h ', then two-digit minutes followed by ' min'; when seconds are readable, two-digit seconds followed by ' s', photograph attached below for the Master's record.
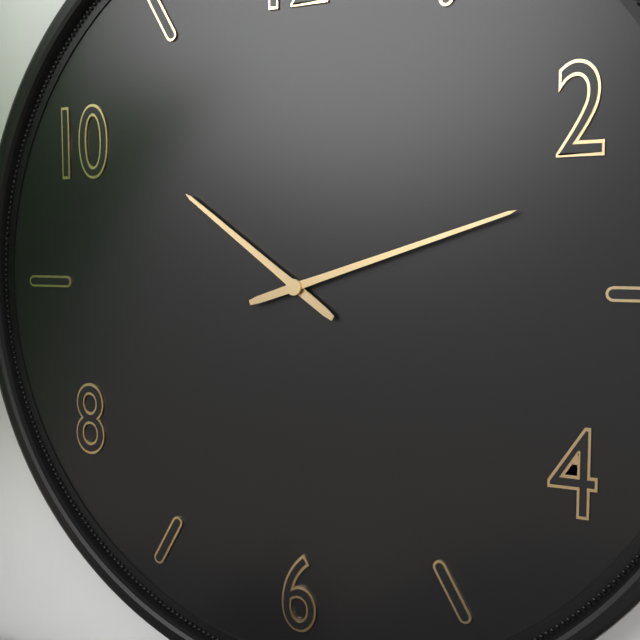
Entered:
10 h 12 min
